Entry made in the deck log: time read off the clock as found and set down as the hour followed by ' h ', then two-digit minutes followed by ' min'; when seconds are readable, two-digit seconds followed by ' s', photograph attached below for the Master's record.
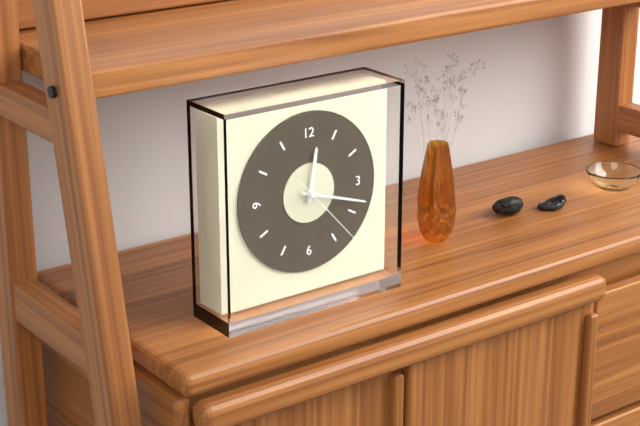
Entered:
12 h 18 min 23 s
